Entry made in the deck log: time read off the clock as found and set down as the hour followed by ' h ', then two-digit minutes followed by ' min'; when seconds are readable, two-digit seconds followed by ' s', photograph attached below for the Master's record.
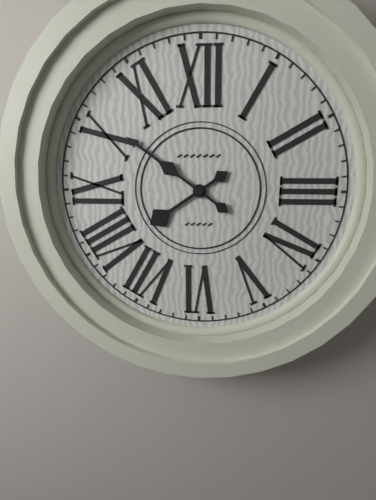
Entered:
7 h 51 min
